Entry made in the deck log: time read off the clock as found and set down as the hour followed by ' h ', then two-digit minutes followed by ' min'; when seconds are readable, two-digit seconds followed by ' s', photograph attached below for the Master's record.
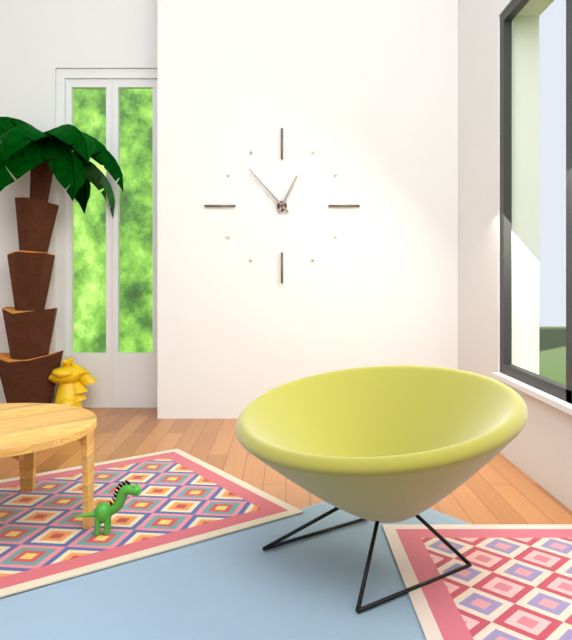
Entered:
12 h 53 min
